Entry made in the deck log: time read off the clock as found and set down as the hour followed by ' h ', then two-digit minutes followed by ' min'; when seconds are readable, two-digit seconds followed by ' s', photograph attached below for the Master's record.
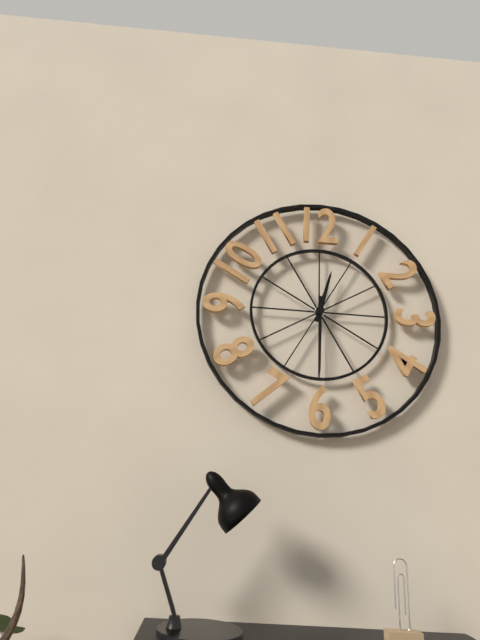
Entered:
12 h 30 min
